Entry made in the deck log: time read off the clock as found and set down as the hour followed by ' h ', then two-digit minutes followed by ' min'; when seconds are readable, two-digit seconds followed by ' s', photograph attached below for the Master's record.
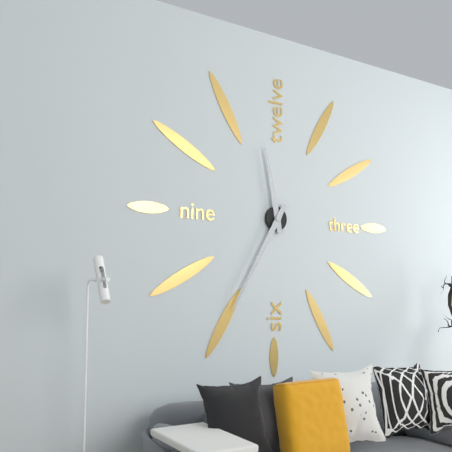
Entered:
11 h 35 min
